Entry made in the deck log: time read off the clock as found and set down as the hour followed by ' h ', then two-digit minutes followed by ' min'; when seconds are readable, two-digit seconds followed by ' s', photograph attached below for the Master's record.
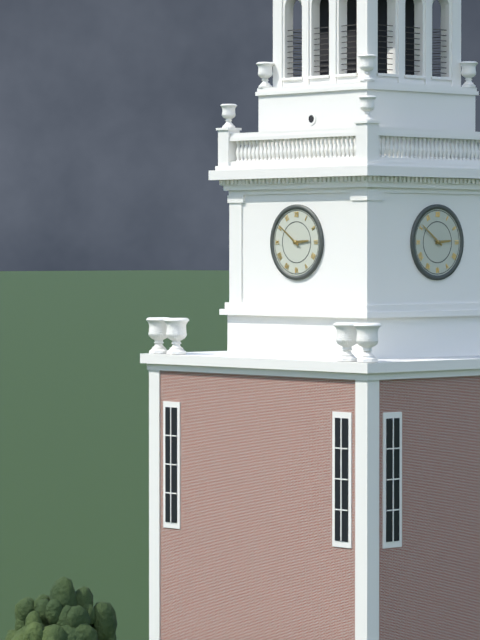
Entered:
2 h 51 min
